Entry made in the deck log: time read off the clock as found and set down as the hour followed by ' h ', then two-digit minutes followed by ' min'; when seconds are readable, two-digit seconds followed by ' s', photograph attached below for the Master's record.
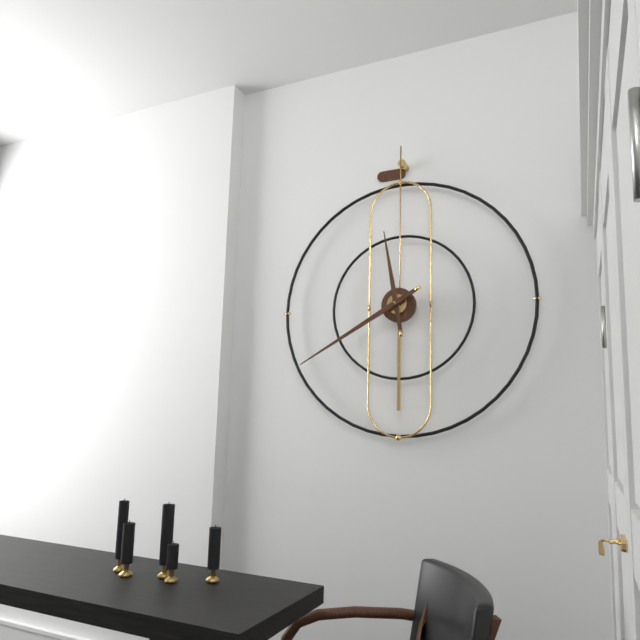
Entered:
11 h 40 min
